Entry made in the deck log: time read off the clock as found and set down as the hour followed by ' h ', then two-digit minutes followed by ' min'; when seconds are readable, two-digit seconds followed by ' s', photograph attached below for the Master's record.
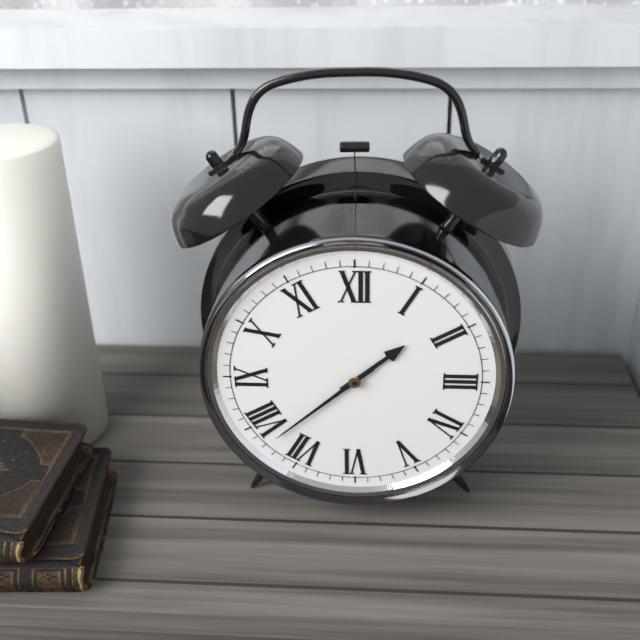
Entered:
1 h 38 min
